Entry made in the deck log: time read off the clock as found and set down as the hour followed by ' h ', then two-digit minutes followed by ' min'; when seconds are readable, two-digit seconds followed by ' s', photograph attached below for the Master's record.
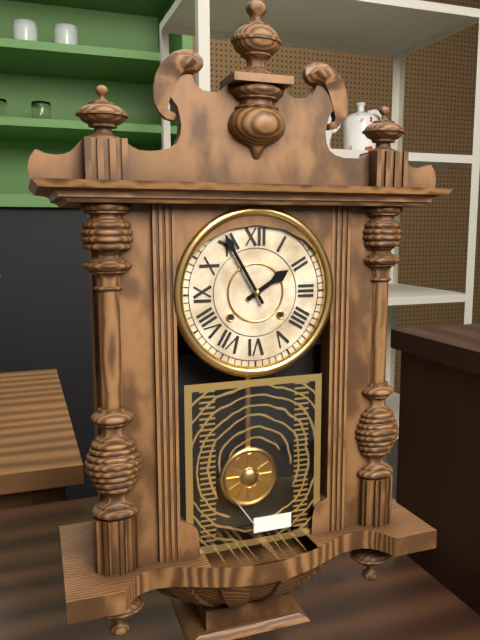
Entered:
1 h 55 min
